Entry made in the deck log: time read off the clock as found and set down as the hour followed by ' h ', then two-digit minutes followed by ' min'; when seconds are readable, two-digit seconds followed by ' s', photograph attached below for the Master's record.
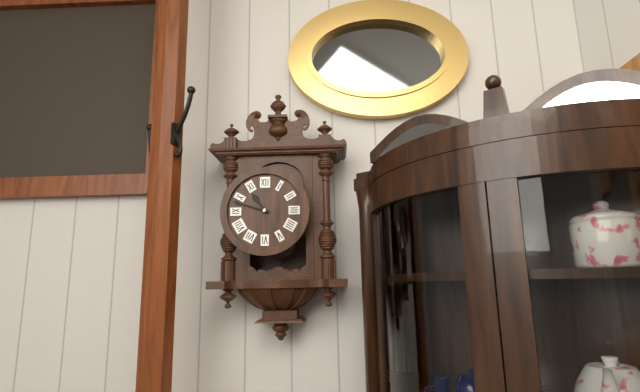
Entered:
10 h 48 min
